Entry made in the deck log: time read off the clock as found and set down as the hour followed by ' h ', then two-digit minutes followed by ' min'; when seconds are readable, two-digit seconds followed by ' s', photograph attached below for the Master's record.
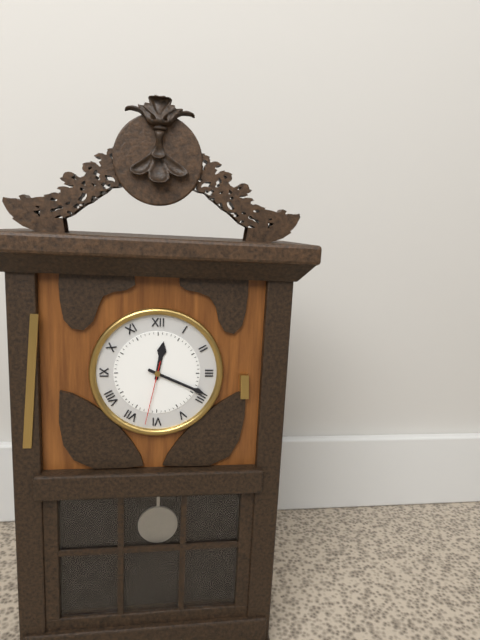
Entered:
12 h 19 min 32 s
